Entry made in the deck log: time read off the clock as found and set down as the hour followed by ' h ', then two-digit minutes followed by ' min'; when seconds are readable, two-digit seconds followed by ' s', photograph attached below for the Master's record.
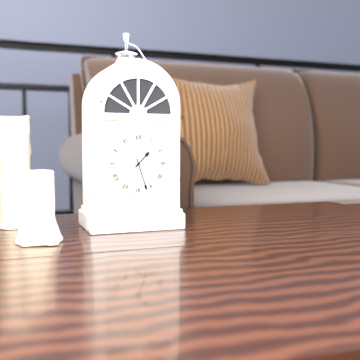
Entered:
1 h 27 min
